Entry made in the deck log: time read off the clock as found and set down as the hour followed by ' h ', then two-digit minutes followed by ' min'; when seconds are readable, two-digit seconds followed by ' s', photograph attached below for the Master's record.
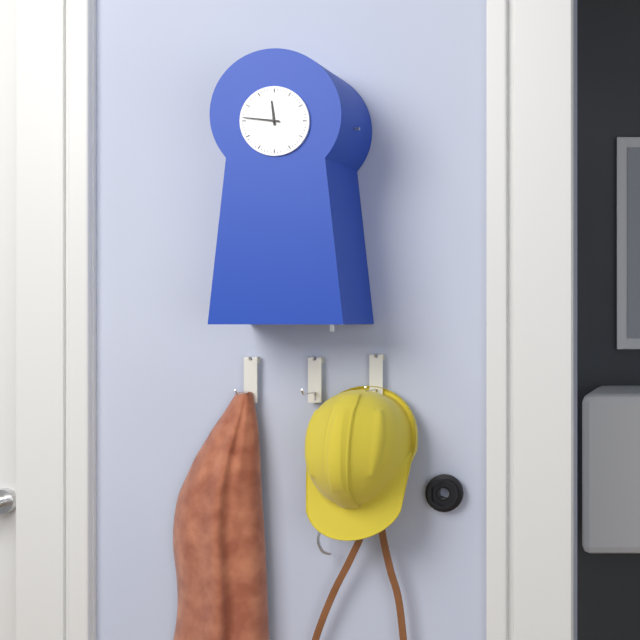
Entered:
11 h 46 min
